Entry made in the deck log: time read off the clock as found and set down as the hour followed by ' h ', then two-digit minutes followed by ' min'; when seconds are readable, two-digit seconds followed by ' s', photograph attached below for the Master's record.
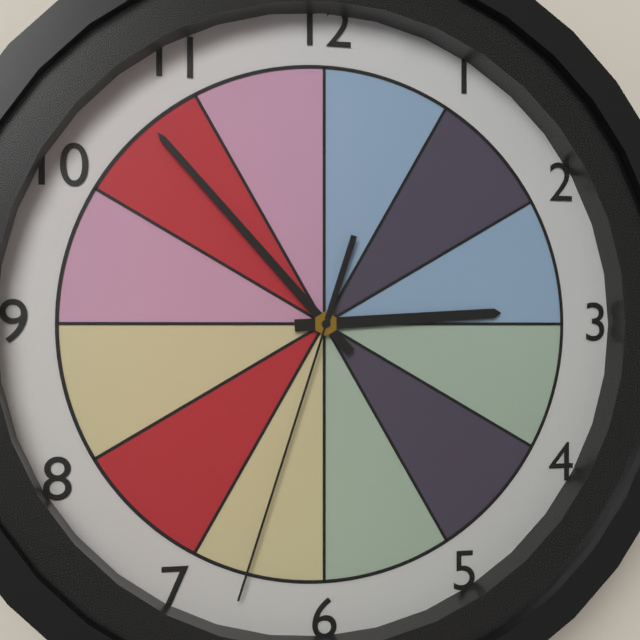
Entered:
2 h 53 min 33 s
